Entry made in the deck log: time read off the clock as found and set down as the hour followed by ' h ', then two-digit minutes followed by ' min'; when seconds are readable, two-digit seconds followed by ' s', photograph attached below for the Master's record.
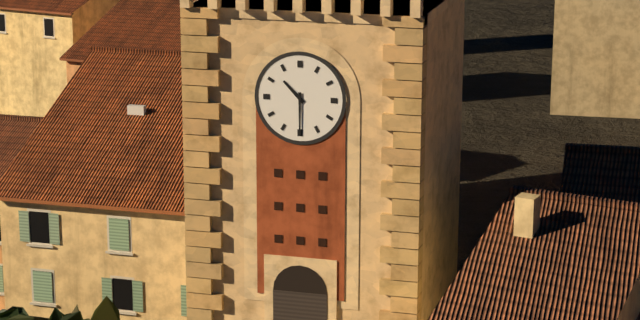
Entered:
10 h 30 min
